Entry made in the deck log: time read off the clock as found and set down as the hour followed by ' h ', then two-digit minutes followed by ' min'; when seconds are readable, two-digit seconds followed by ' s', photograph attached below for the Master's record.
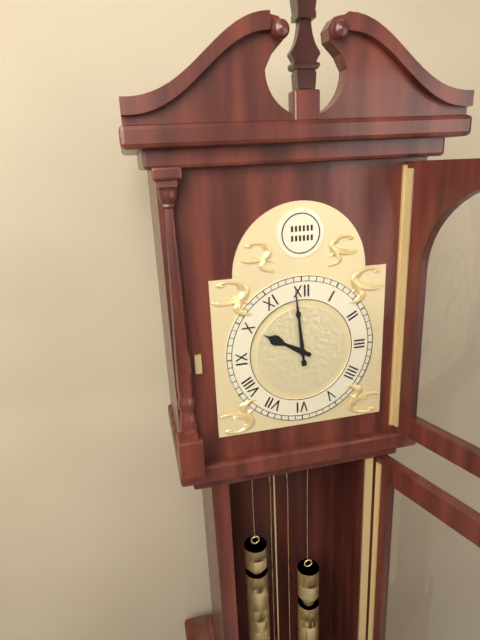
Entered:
9 h 59 min
